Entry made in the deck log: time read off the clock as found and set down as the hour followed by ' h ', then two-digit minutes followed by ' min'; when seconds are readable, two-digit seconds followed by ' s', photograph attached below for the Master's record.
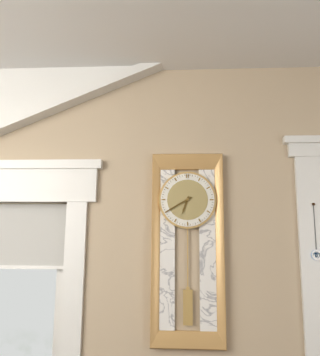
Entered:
6 h 40 min
